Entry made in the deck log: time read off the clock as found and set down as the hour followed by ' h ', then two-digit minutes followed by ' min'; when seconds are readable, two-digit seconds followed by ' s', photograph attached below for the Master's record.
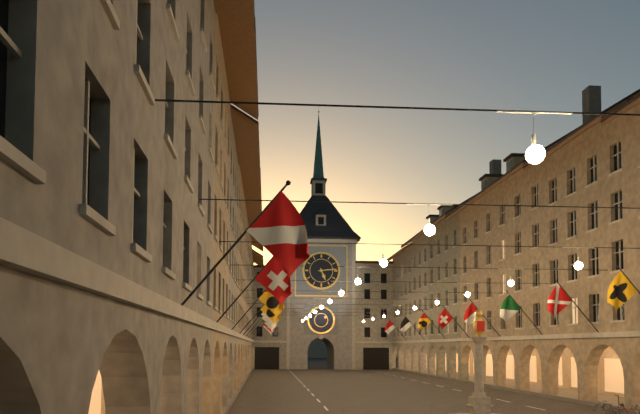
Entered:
5 h 14 min
